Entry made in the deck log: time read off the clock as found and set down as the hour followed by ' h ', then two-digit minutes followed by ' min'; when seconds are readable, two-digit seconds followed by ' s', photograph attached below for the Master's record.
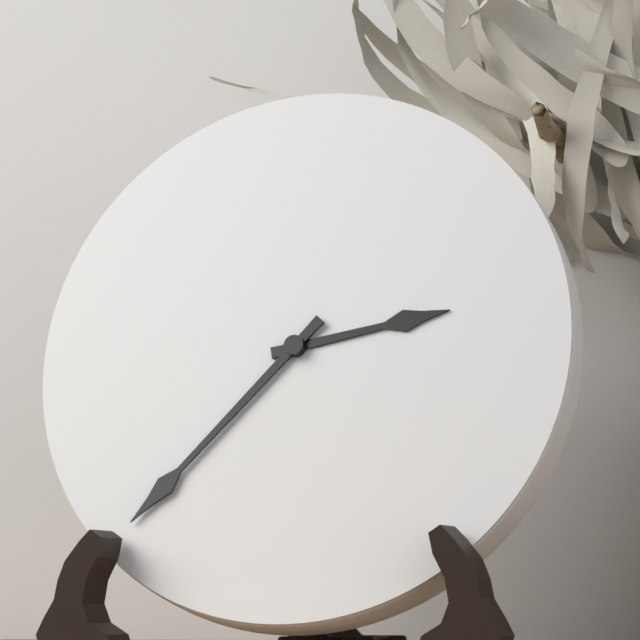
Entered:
2 h 37 min
